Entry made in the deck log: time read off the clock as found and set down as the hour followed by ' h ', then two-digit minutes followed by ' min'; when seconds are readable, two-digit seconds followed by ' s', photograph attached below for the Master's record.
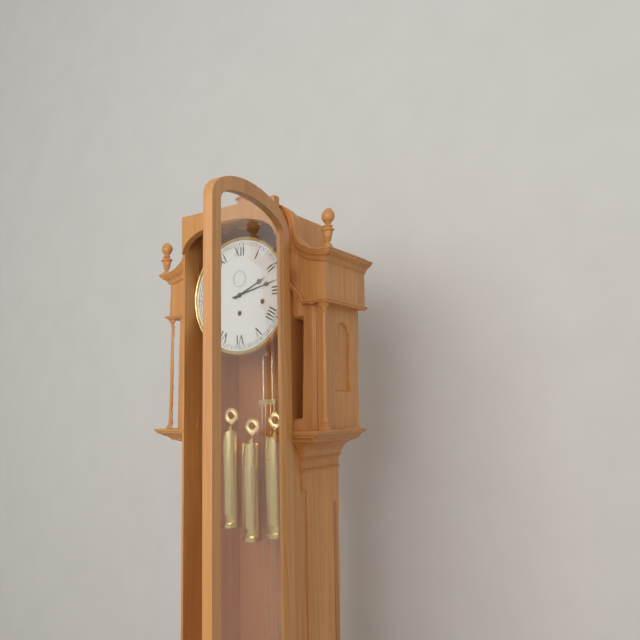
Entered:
2 h 13 min
